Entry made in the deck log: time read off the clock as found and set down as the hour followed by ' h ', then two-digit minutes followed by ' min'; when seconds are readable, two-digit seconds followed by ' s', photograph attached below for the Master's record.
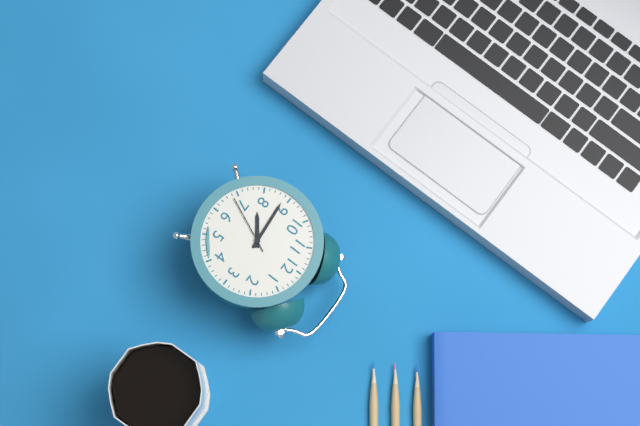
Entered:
7 h 44 min 34 s
